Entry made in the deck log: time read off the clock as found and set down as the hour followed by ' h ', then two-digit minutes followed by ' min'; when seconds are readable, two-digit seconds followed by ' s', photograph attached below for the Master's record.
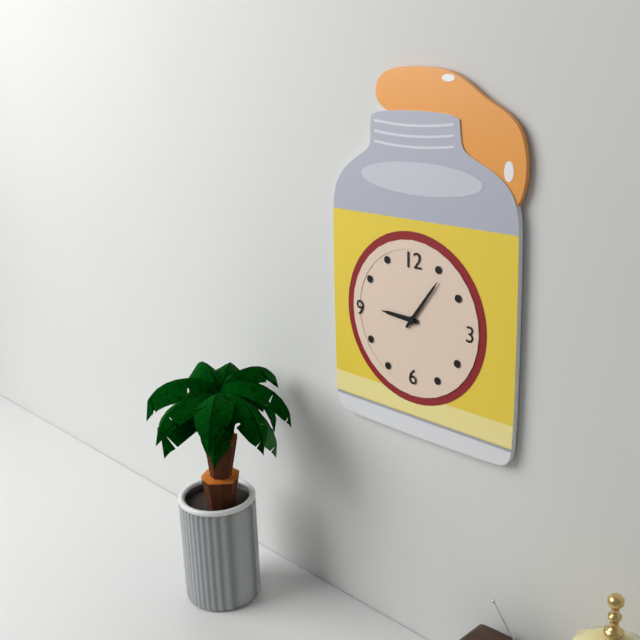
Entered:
9 h 06 min
